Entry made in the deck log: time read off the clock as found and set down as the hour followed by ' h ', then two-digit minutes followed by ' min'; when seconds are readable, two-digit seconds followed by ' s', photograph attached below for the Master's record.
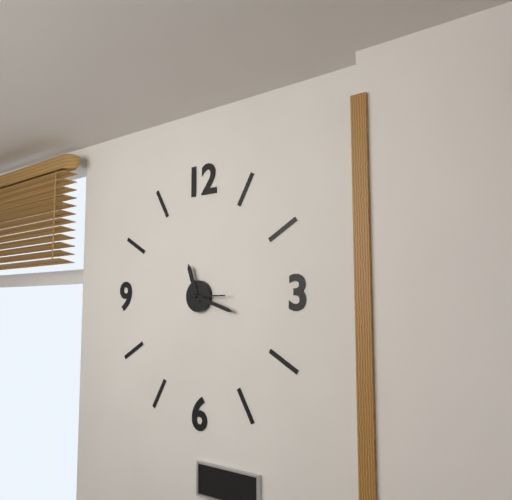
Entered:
11 h 18 min
